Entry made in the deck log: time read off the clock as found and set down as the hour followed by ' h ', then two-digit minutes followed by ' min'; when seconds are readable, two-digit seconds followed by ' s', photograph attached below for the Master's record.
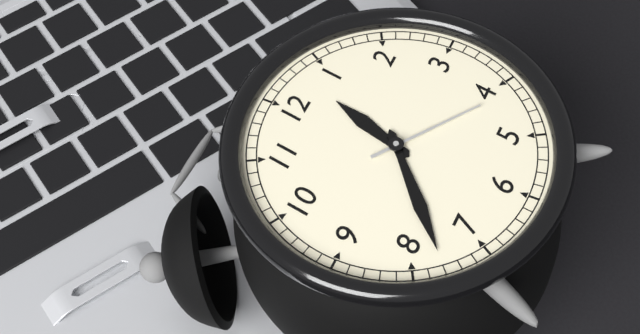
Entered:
12 h 38 min 21 s
